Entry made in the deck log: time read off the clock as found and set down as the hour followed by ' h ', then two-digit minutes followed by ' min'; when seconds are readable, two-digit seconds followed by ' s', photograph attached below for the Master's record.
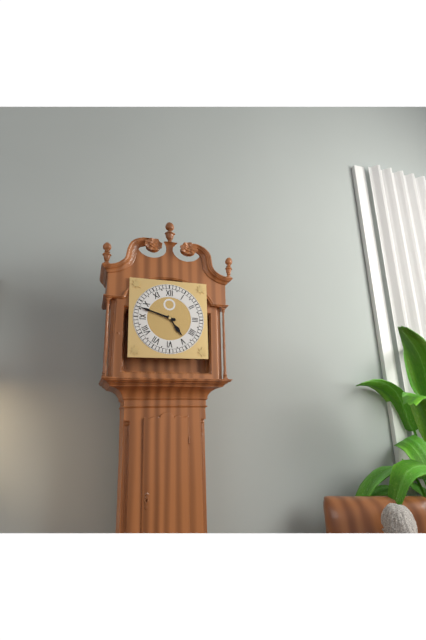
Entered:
4 h 48 min
